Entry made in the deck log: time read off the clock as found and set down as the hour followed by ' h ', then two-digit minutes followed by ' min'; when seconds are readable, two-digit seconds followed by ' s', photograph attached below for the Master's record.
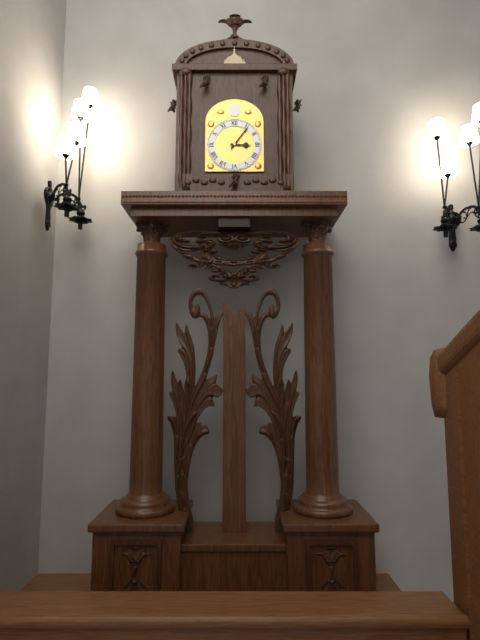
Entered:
3 h 06 min
